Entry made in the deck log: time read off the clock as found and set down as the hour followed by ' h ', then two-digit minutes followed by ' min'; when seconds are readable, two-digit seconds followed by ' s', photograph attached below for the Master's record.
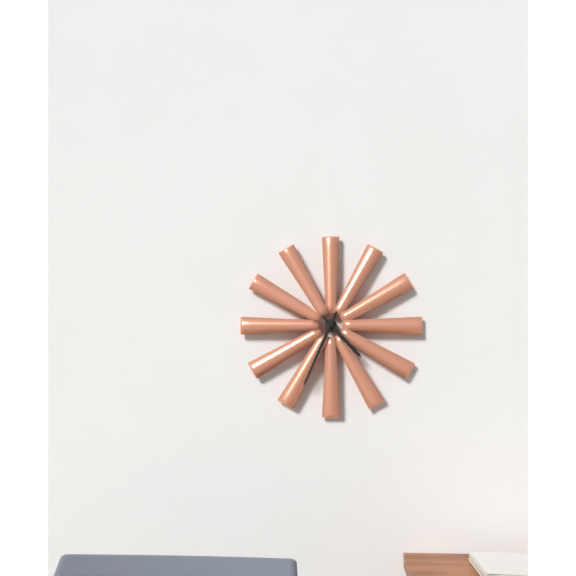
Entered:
4 h 34 min
